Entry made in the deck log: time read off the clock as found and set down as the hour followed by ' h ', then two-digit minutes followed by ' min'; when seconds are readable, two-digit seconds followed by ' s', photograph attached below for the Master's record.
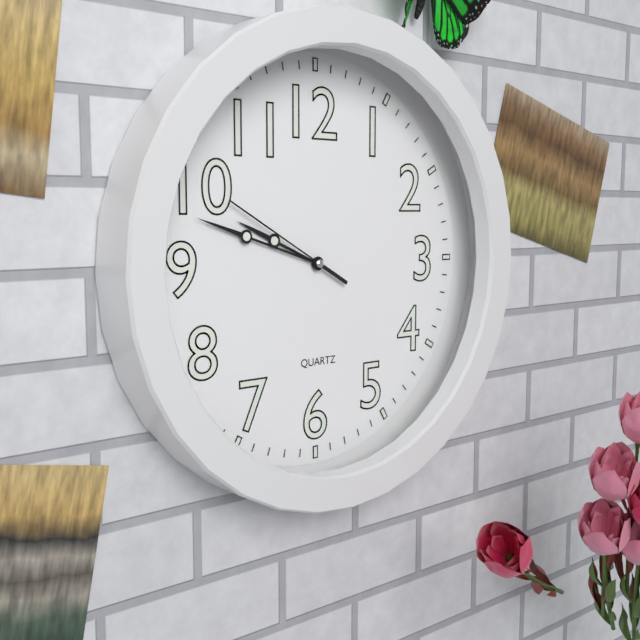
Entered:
9 h 48 min 50 s
